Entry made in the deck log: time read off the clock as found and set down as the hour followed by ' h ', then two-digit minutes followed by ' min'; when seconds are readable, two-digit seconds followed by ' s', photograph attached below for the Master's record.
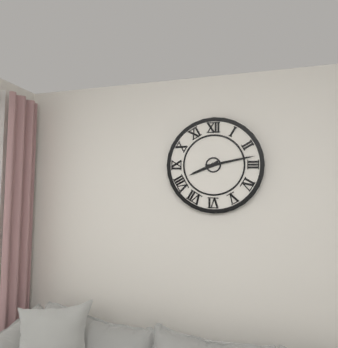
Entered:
8 h 13 min
